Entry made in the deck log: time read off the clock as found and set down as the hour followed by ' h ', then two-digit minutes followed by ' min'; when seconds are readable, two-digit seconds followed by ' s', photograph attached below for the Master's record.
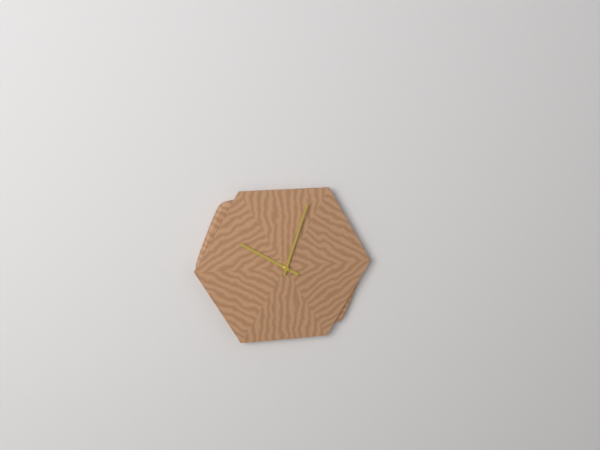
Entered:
10 h 03 min
